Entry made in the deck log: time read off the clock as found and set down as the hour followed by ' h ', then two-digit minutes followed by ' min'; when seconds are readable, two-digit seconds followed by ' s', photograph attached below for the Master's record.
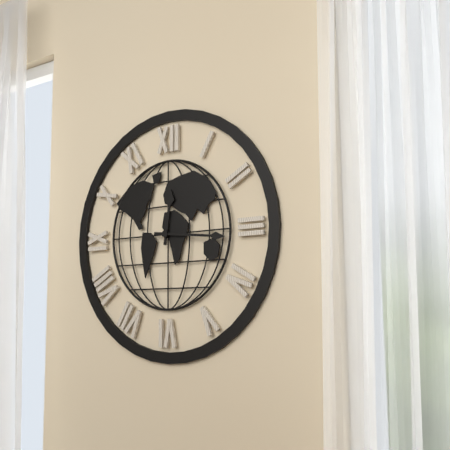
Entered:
12 h 16 min
